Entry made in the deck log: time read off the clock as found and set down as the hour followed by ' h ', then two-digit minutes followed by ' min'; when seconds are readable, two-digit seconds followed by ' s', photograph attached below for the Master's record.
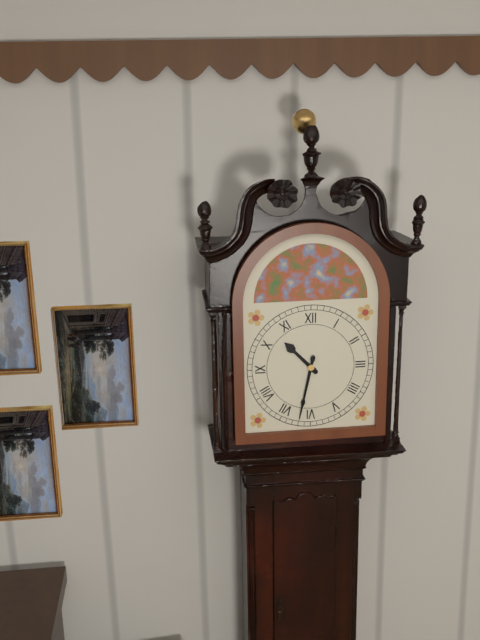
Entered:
10 h 32 min
